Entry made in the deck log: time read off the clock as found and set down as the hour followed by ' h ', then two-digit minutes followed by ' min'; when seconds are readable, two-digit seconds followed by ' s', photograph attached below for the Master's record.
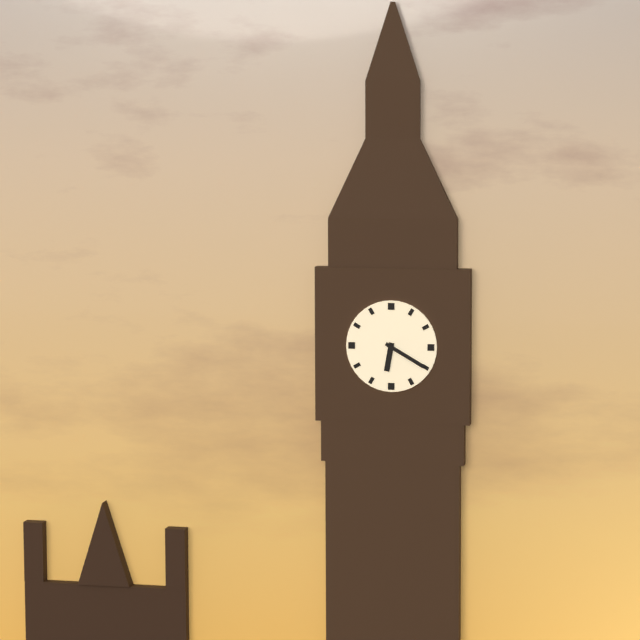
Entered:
6 h 20 min
